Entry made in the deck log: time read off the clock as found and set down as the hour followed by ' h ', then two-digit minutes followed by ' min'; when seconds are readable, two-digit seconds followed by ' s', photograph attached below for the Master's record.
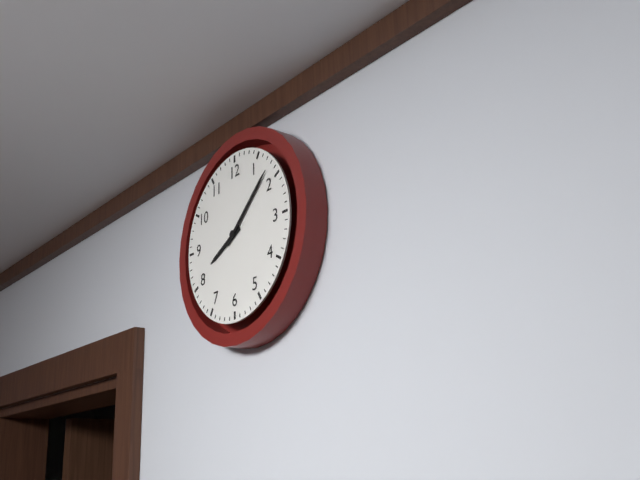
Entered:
8 h 08 min
